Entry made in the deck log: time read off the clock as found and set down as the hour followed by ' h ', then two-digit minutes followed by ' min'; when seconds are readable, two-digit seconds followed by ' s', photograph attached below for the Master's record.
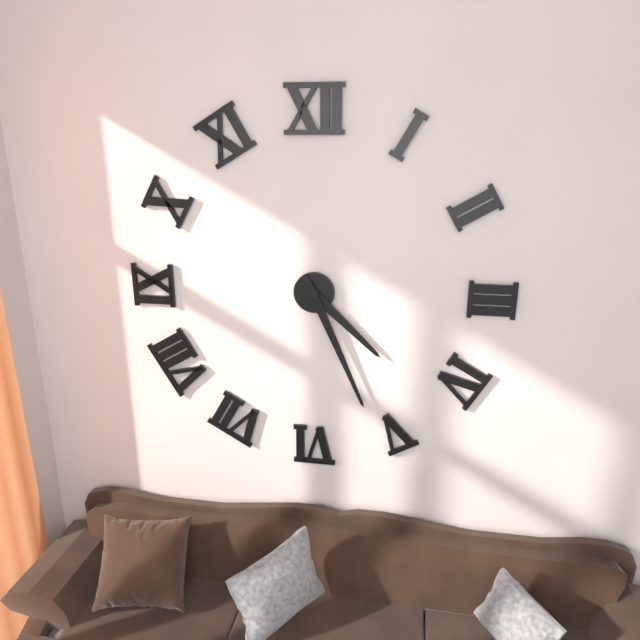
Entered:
4 h 26 min
